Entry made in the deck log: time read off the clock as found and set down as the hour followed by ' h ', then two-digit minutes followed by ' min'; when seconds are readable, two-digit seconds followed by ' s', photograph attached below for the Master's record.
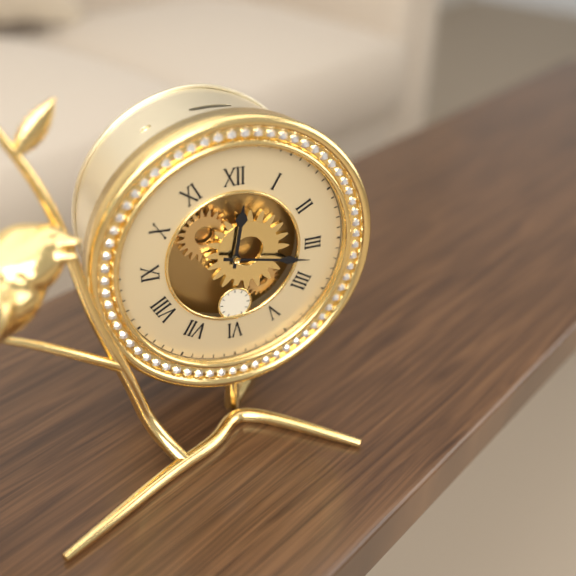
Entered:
12 h 17 min
